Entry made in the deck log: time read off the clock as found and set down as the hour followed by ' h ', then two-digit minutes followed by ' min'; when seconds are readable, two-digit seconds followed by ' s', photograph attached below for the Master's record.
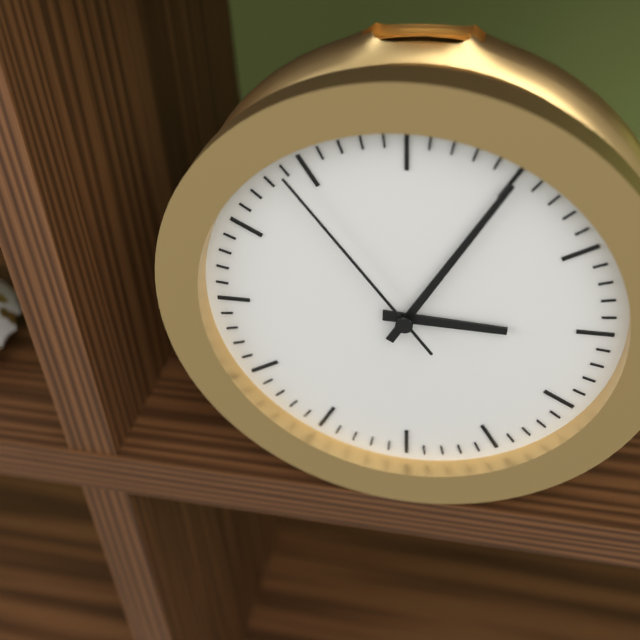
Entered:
3 h 05 min 54 s
